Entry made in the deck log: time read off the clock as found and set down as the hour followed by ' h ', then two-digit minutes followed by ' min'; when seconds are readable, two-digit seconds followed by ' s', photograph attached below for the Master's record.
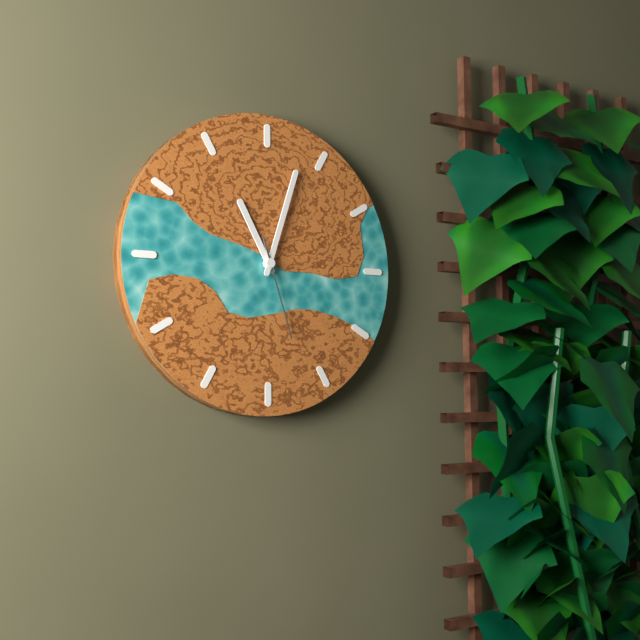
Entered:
11 h 03 min 27 s
